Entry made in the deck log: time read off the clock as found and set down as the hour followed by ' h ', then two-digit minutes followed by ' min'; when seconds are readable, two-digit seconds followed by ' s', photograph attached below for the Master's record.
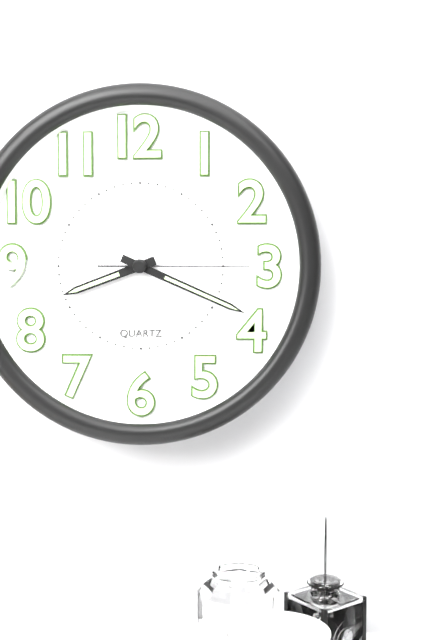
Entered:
8 h 19 min 15 s
